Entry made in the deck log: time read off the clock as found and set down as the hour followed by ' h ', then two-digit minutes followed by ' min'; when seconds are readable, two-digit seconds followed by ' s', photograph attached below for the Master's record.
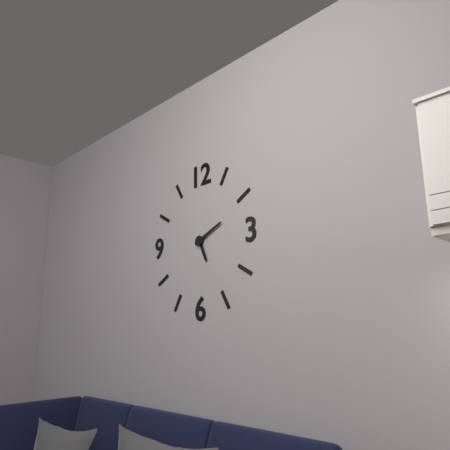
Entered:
5 h 11 min
